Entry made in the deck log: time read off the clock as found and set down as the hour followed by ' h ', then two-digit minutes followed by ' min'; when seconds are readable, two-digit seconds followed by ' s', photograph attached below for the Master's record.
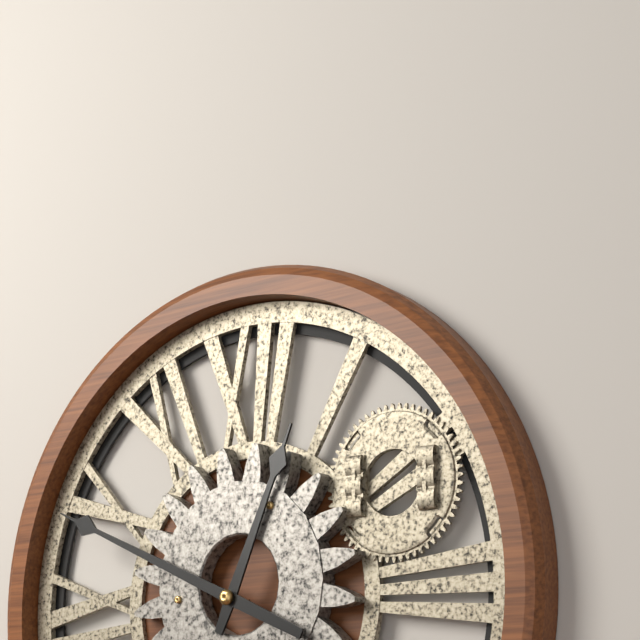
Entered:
12 h 49 min
